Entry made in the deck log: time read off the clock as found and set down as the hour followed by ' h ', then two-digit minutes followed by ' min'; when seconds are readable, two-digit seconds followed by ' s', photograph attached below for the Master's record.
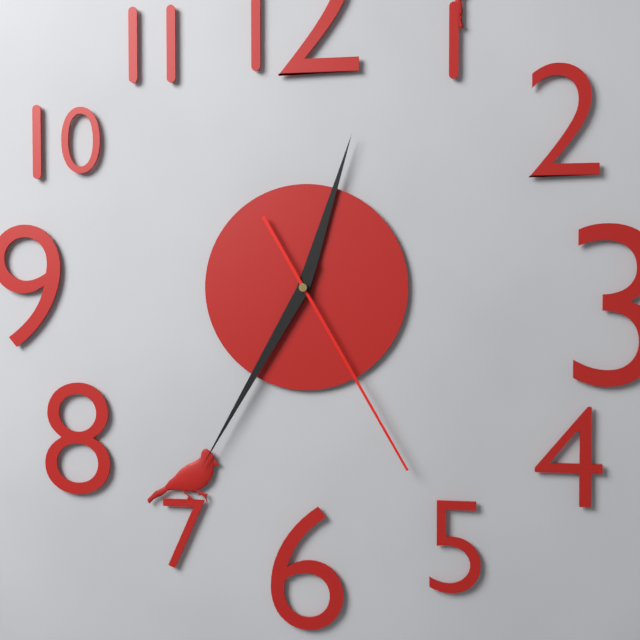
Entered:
12 h 35 min 25 s
